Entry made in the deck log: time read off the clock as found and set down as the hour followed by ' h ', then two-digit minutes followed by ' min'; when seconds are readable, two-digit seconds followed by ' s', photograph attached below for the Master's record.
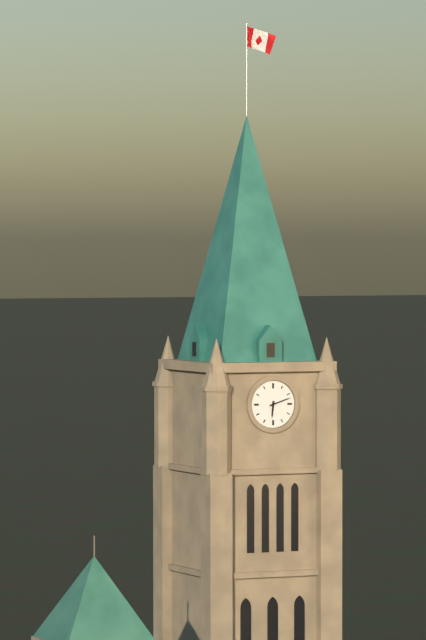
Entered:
6 h 12 min
